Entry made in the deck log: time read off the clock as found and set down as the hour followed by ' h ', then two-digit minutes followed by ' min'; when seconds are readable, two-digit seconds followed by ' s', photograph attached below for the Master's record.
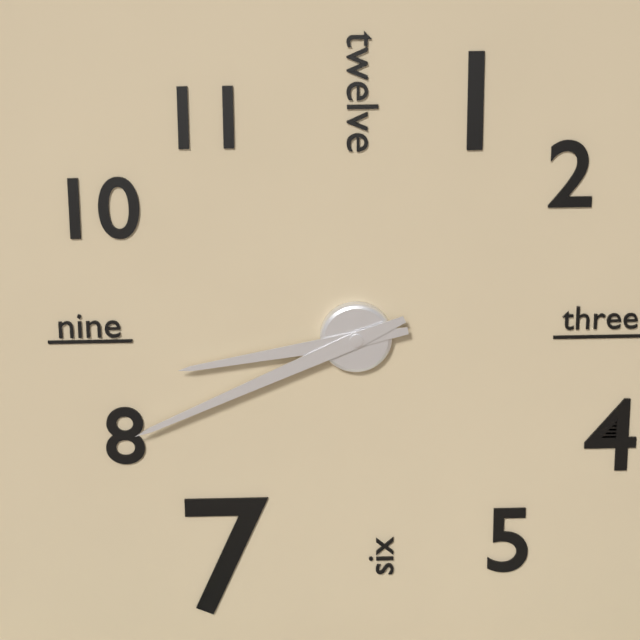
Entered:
8 h 41 min
